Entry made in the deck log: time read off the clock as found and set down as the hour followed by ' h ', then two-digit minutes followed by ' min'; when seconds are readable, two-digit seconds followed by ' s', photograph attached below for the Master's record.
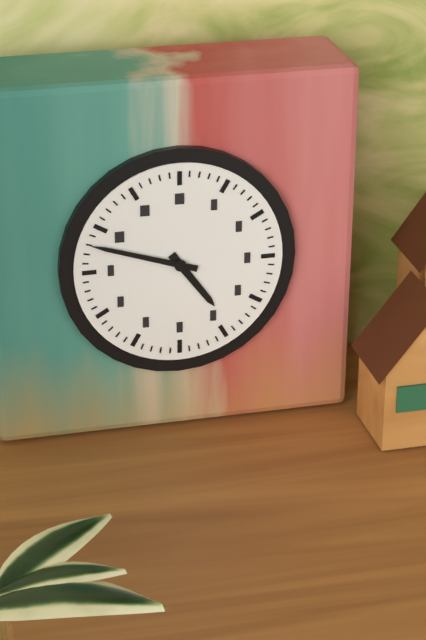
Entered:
4 h 48 min
